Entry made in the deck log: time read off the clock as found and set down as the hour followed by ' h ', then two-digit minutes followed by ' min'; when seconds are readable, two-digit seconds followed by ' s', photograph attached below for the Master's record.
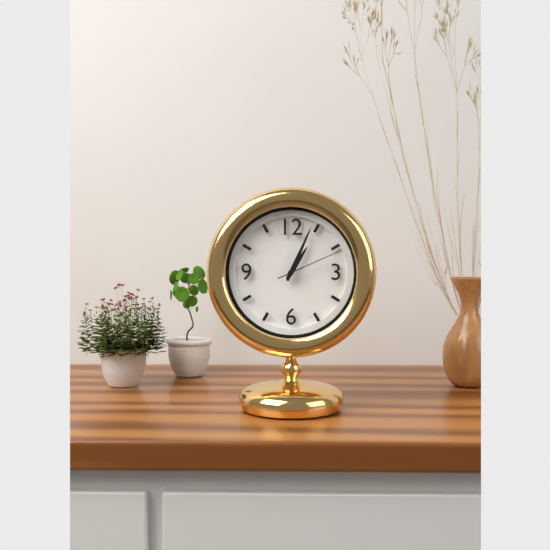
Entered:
1 h 04 min 11 s
